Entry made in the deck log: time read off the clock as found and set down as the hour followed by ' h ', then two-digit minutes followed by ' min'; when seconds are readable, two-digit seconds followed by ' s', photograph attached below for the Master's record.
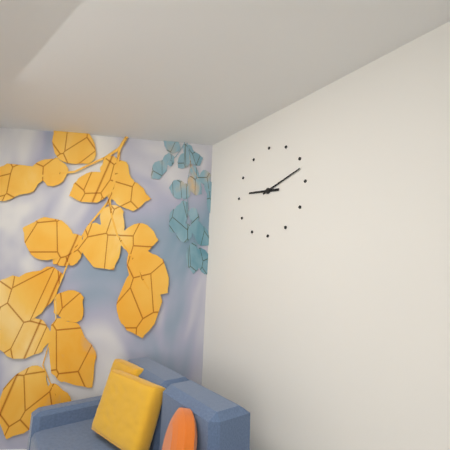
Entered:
9 h 12 min
